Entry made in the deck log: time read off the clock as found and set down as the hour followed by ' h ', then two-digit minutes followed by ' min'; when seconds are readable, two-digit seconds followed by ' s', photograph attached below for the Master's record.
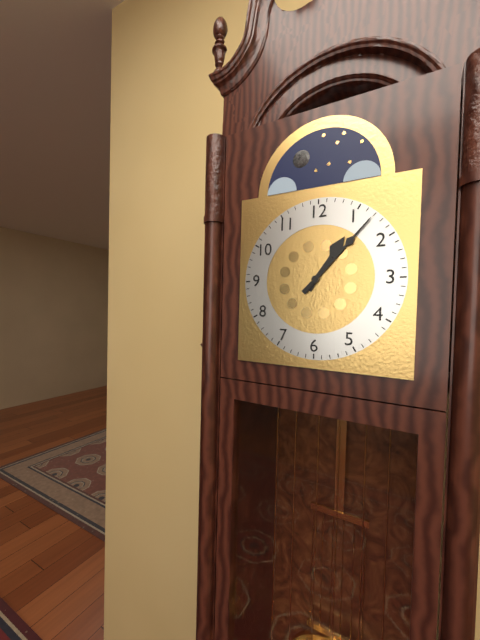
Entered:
1 h 07 min
